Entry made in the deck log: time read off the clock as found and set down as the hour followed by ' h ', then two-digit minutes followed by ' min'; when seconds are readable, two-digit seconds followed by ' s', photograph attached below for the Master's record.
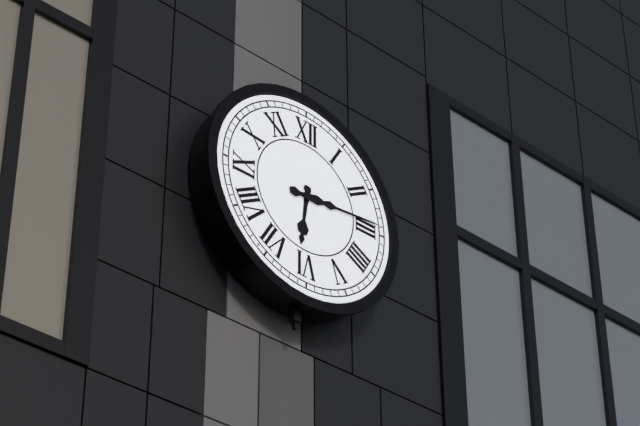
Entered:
6 h 14 min
